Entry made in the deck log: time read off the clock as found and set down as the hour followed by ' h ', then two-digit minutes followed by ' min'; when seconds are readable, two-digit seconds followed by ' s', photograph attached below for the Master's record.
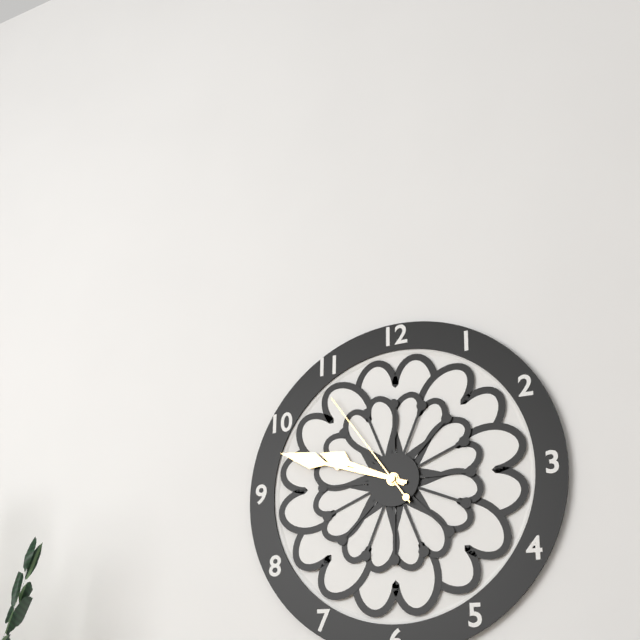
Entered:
9 h 48 min 54 s
